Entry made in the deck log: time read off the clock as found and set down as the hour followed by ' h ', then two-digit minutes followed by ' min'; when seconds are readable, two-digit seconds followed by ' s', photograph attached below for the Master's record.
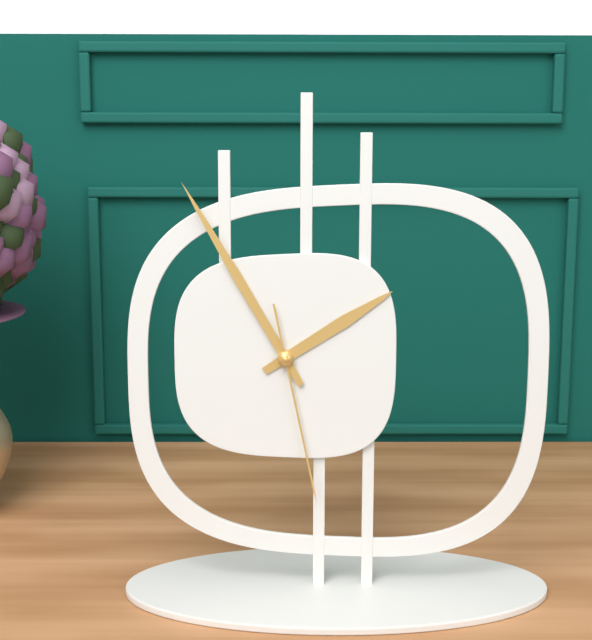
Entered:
1 h 55 min 28 s
